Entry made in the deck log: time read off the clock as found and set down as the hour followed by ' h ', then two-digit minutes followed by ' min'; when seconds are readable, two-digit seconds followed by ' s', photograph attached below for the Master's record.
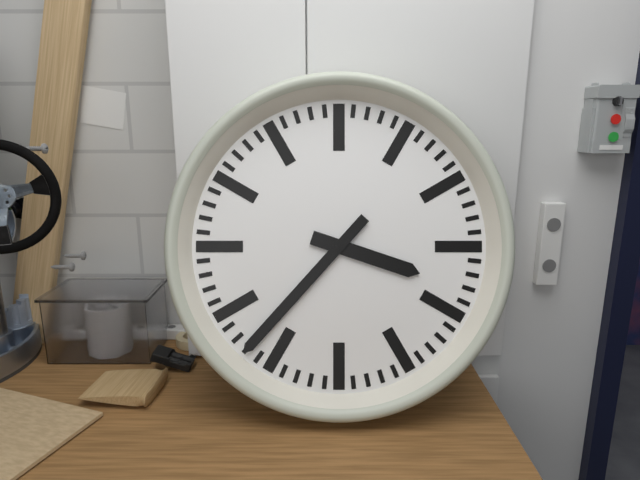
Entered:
3 h 37 min
